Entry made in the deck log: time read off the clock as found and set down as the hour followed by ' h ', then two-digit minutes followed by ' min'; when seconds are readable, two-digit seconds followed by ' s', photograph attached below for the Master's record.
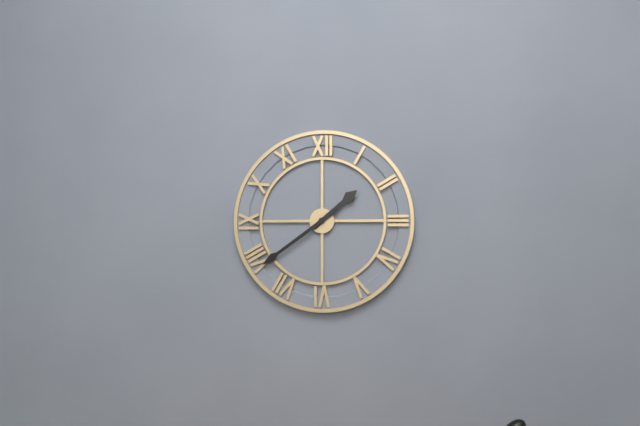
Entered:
1 h 39 min
